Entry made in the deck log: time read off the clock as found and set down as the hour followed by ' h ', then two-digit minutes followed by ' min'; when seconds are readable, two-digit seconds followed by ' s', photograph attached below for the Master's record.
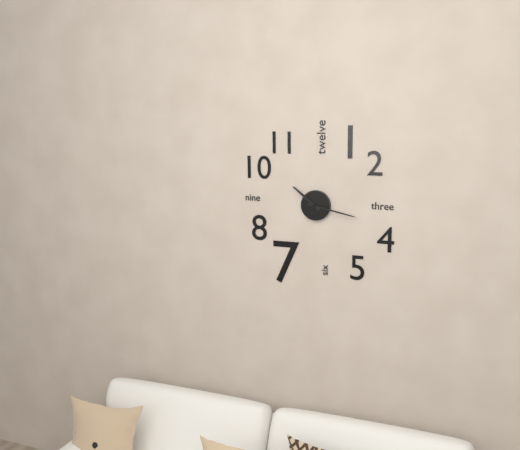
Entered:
10 h 17 min
